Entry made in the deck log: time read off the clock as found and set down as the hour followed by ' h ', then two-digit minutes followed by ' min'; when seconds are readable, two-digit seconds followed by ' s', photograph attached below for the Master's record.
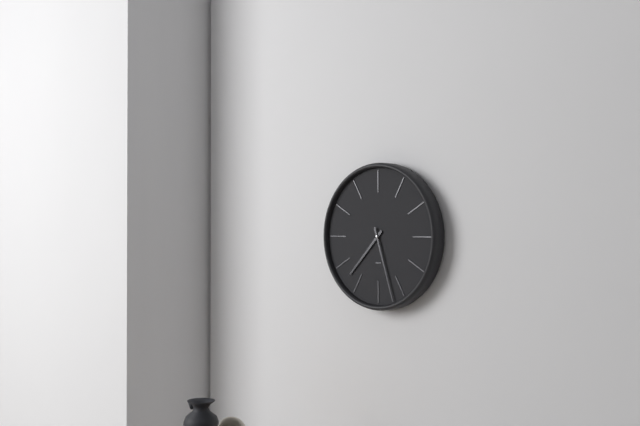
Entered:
7 h 27 min
